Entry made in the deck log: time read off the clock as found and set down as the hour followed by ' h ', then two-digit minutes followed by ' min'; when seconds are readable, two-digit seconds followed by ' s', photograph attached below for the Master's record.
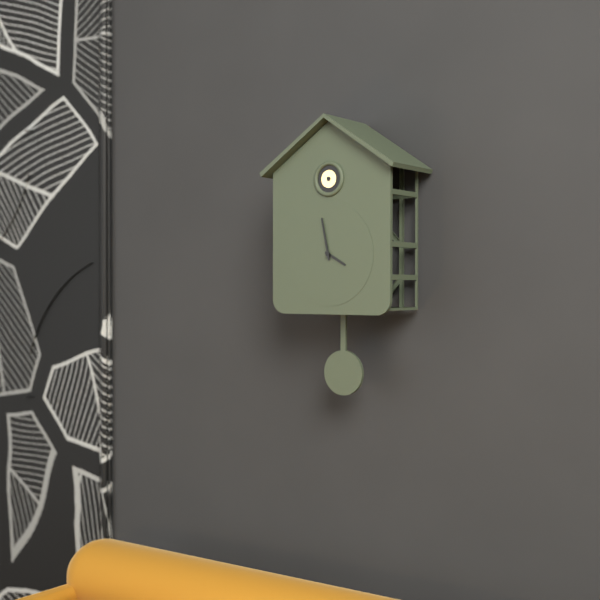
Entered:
3 h 58 min
